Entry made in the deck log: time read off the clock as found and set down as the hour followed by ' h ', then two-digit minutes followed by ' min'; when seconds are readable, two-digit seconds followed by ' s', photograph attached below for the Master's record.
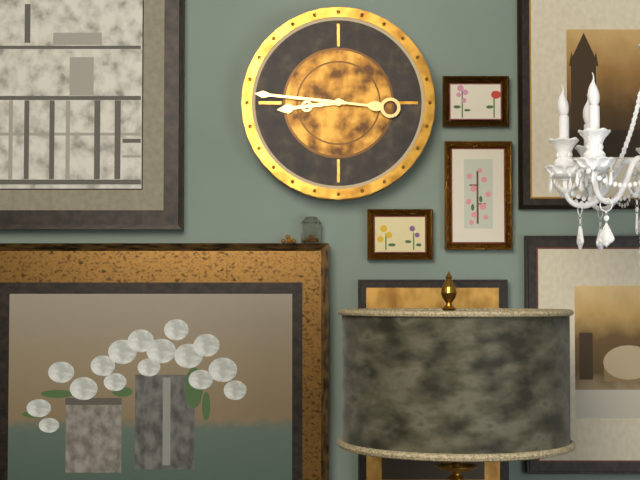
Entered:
8 h 46 min
